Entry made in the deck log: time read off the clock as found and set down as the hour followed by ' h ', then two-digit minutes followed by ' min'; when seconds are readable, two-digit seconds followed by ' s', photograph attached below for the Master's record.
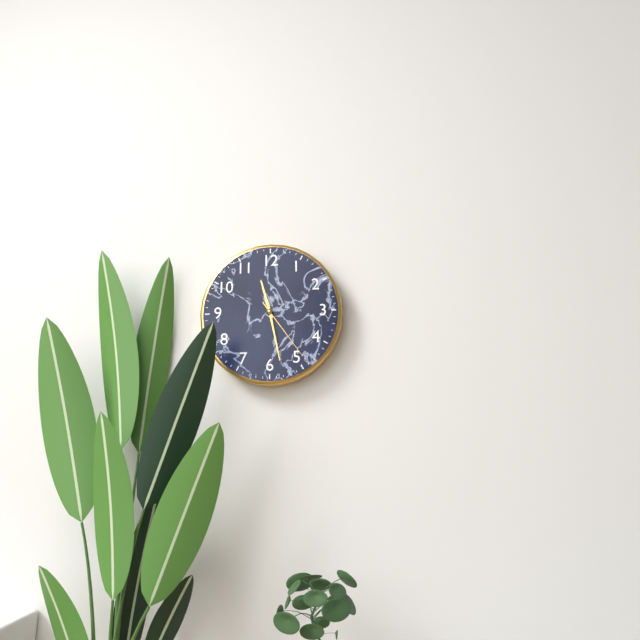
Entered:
11 h 28 min 24 s
